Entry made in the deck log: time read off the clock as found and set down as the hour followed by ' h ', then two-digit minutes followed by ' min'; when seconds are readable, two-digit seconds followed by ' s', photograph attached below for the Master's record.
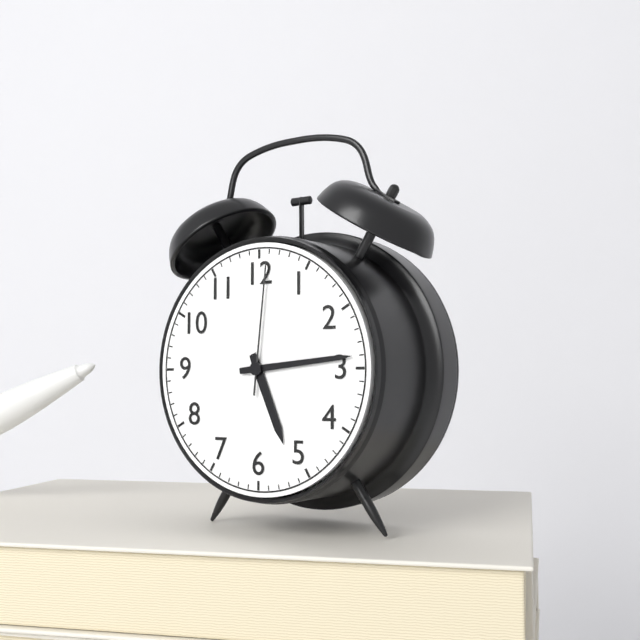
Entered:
5 h 14 min 01 s
